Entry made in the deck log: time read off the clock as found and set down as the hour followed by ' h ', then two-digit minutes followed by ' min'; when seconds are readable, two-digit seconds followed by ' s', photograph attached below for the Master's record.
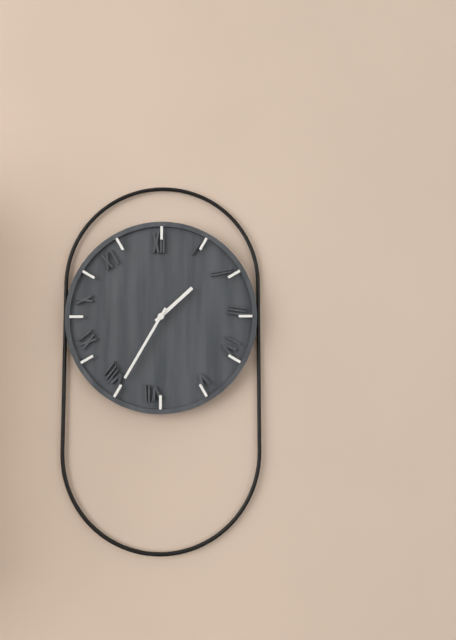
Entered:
1 h 35 min
